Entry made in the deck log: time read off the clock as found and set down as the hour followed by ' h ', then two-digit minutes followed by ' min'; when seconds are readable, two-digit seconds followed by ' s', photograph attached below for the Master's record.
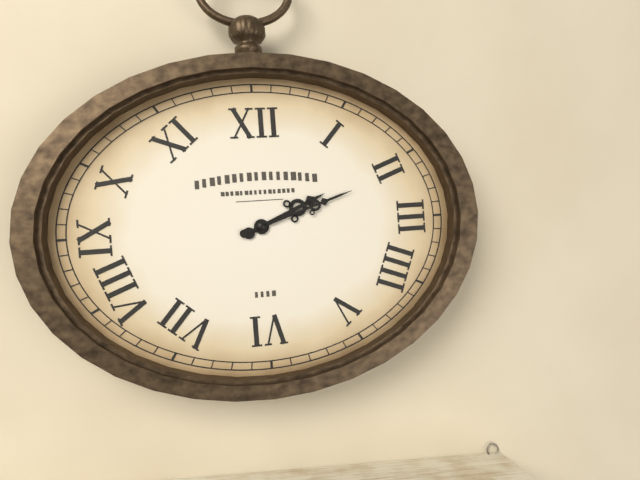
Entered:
2 h 12 min
